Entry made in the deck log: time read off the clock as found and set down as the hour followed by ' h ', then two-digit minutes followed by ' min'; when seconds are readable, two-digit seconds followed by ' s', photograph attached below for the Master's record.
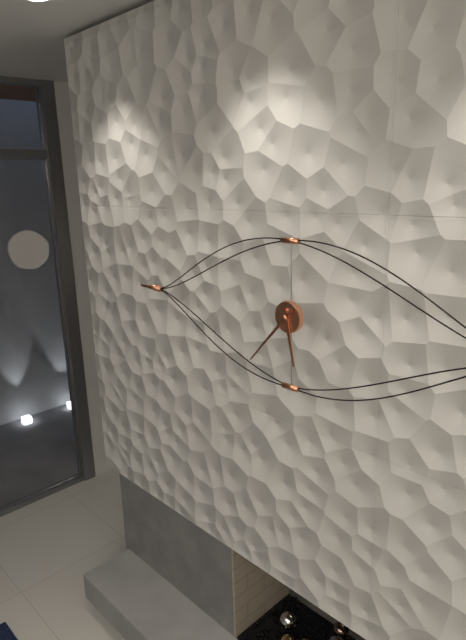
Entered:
5 h 37 min
